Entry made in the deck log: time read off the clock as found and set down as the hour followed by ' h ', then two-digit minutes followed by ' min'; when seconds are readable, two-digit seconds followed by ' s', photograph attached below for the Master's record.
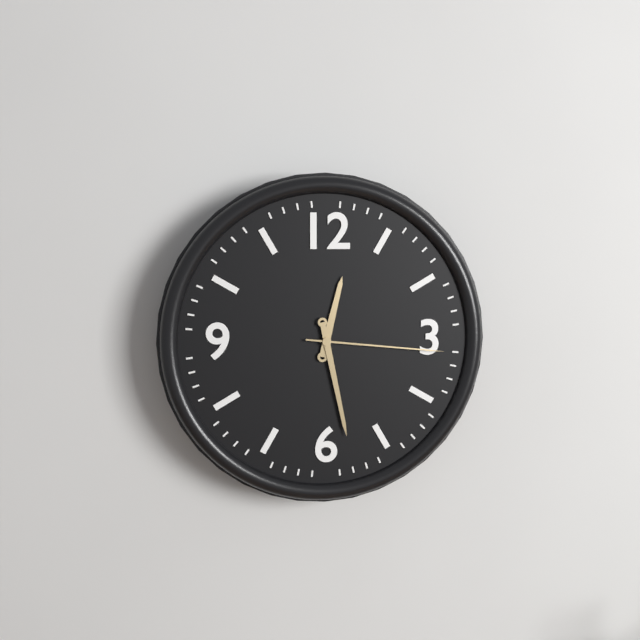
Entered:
12 h 28 min 16 s
